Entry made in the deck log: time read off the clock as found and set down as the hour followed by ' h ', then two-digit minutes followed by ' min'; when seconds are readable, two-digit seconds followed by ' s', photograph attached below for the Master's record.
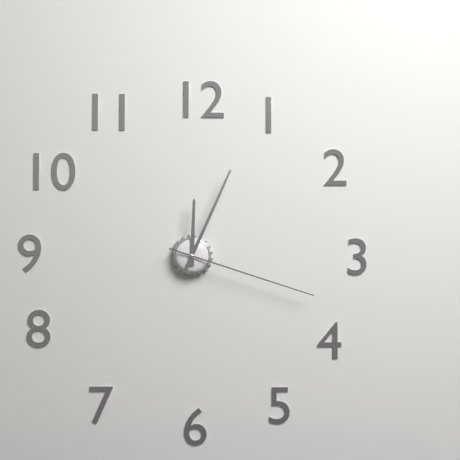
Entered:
12 h 04 min 18 s
